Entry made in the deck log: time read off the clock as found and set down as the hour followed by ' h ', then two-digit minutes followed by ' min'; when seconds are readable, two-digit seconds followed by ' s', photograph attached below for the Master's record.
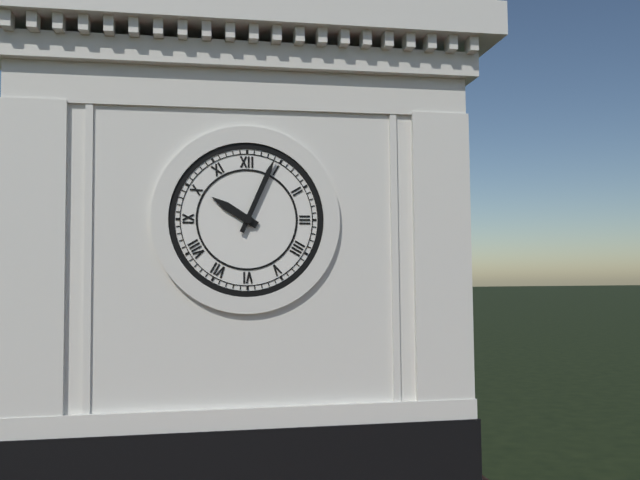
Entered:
10 h 04 min
